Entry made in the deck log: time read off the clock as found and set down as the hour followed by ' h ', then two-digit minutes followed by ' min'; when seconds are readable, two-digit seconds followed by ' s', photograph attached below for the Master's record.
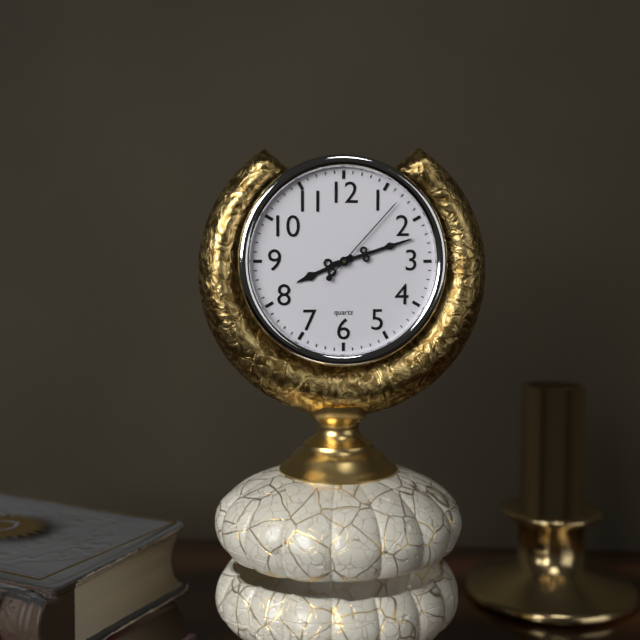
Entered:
8 h 12 min 07 s
